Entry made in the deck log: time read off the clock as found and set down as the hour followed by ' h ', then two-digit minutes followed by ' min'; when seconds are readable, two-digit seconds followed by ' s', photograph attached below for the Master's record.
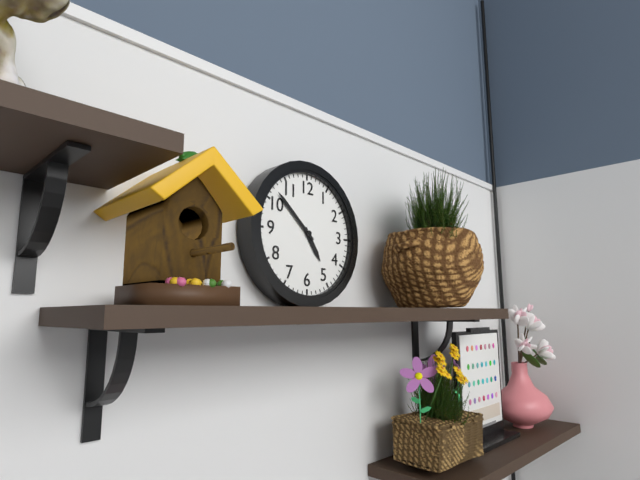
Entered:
4 h 52 min
